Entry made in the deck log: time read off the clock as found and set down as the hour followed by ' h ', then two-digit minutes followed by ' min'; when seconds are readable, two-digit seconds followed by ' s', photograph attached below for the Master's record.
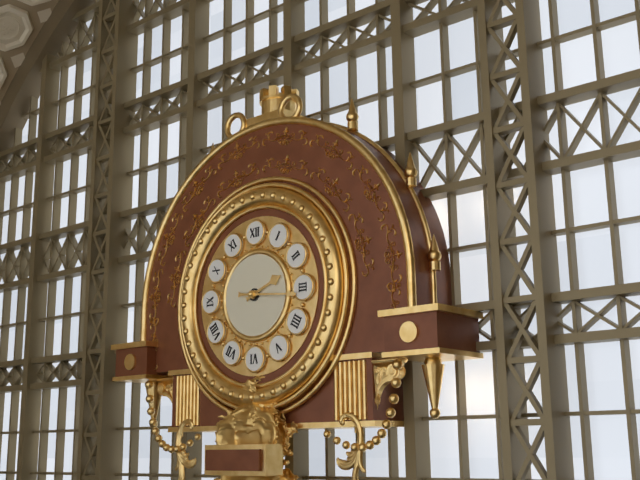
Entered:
2 h 16 min
